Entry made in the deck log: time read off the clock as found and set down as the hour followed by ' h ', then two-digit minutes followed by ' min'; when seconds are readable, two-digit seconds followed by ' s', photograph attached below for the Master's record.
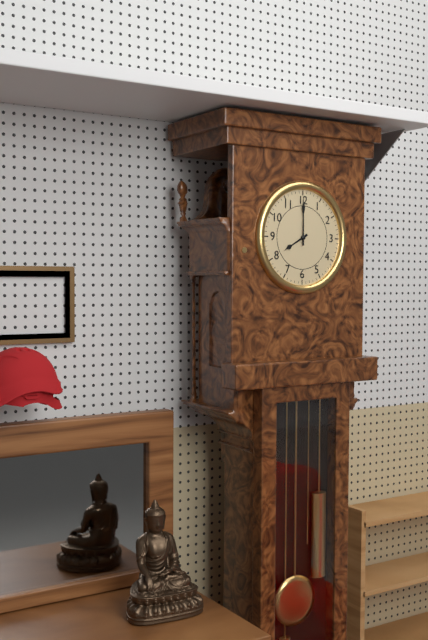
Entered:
8 h 00 min
